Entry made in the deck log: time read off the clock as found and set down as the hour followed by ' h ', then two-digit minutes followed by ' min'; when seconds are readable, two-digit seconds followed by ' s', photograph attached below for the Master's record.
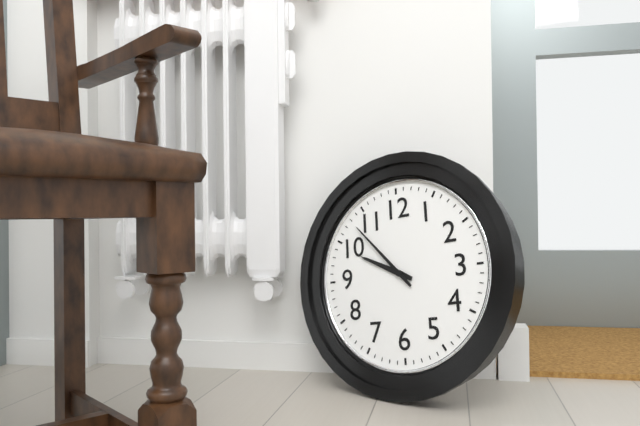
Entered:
9 h 53 min
